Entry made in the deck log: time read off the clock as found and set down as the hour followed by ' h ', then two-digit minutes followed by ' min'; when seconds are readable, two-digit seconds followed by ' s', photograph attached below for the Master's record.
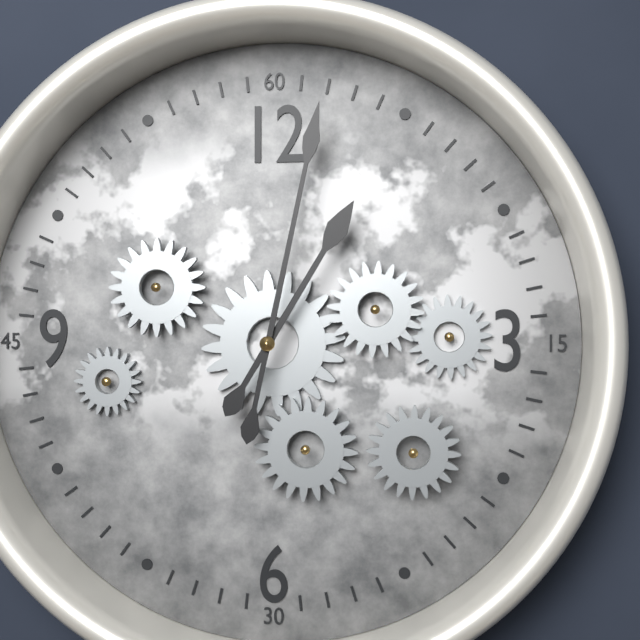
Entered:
1 h 02 min
